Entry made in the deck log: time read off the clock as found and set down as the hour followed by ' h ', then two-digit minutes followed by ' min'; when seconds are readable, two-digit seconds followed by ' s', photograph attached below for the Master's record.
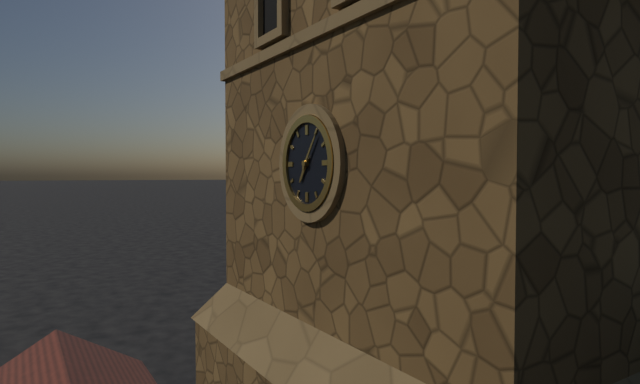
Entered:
7 h 06 min
